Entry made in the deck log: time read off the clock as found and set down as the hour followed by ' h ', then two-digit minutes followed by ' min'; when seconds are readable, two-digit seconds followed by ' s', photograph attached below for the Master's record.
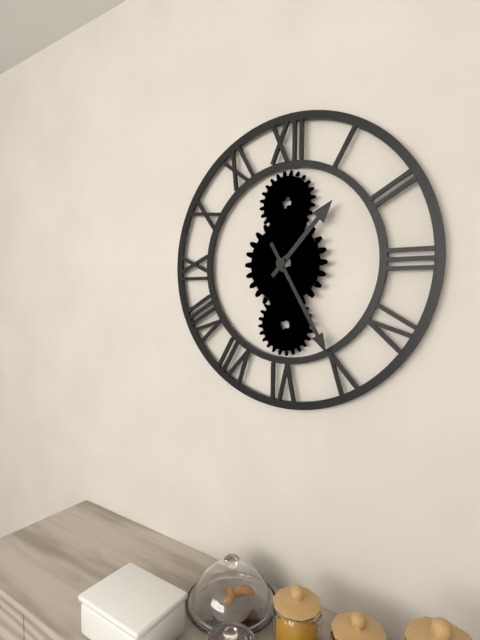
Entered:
1 h 25 min
